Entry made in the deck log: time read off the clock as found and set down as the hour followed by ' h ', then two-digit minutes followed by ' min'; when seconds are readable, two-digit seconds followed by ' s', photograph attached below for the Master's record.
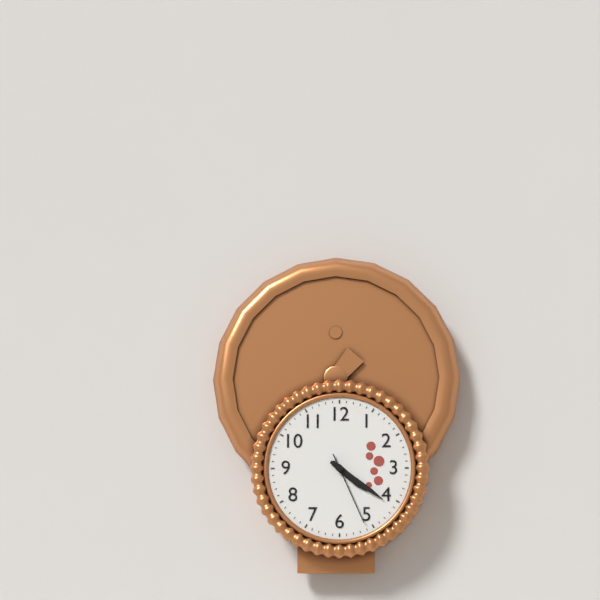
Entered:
4 h 21 min 26 s
